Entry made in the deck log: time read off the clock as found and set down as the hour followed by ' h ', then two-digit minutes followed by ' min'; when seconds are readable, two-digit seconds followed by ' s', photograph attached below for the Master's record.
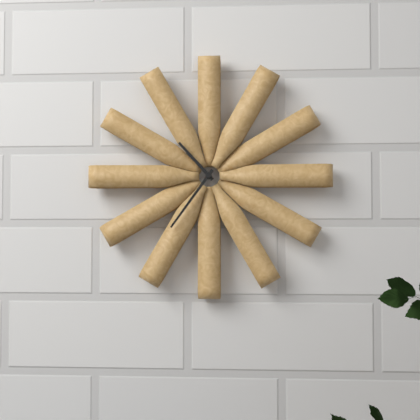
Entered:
10 h 36 min
